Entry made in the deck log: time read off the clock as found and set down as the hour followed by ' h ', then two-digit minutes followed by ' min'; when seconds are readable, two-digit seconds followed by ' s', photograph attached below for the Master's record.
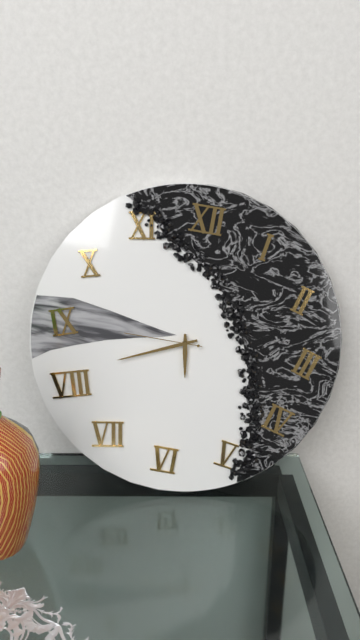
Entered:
5 h 41 min 45 s
